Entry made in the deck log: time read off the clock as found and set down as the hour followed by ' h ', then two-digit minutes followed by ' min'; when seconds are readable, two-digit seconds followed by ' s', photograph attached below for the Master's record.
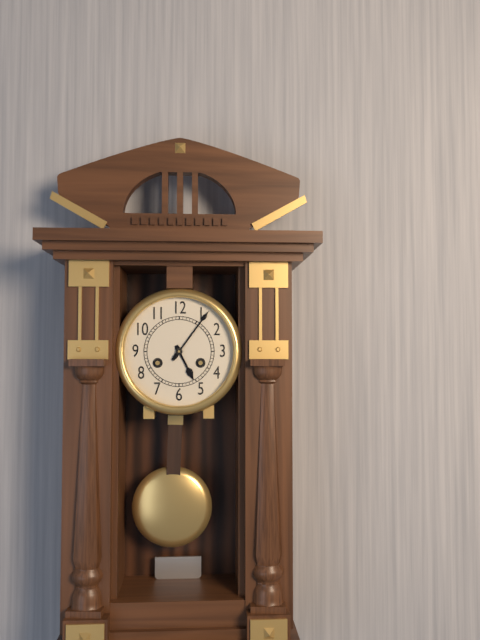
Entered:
5 h 06 min
